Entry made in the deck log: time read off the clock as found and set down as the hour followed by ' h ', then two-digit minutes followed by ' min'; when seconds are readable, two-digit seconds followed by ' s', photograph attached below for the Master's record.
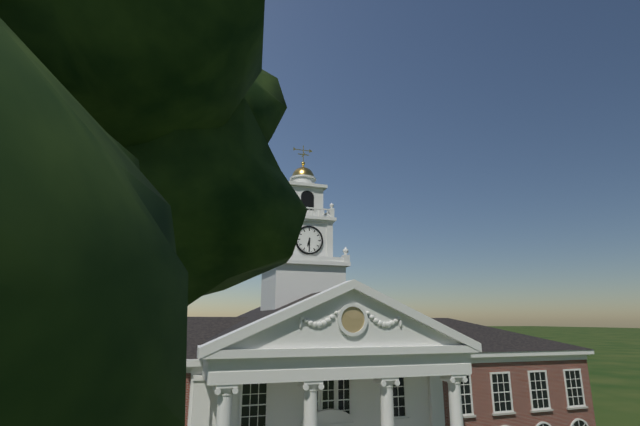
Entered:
6 h 30 min
